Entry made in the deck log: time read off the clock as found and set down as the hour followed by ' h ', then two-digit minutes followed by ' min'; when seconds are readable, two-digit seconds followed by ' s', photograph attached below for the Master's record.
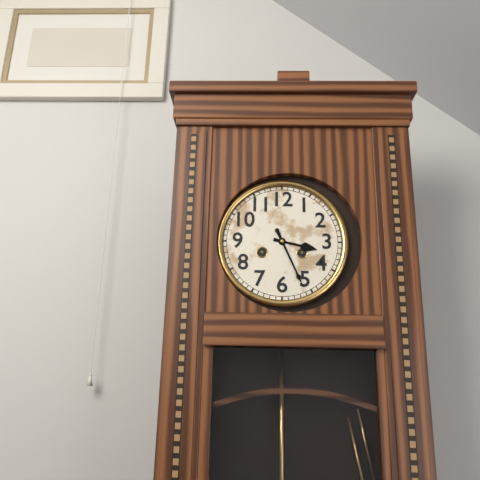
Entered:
3 h 26 min
